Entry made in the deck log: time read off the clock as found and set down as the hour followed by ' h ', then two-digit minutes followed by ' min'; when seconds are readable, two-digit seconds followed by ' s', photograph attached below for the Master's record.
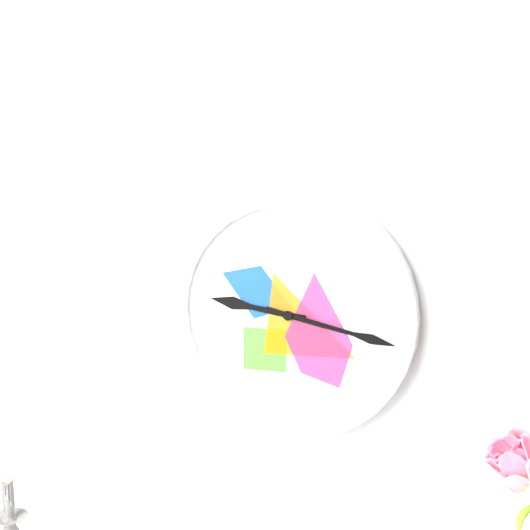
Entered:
9 h 17 min
